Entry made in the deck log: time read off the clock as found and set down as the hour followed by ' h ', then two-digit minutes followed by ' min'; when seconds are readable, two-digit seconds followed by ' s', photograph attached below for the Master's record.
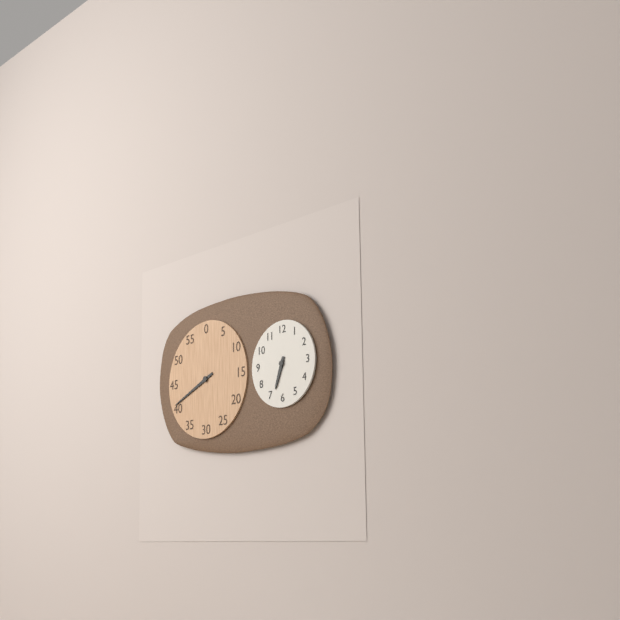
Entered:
6 h 41 min
